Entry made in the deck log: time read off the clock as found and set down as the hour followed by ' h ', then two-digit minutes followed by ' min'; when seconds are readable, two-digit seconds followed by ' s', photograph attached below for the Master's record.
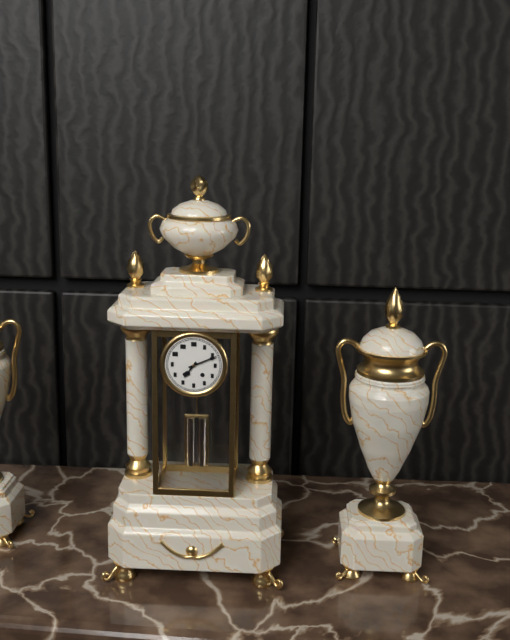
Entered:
7 h 11 min
